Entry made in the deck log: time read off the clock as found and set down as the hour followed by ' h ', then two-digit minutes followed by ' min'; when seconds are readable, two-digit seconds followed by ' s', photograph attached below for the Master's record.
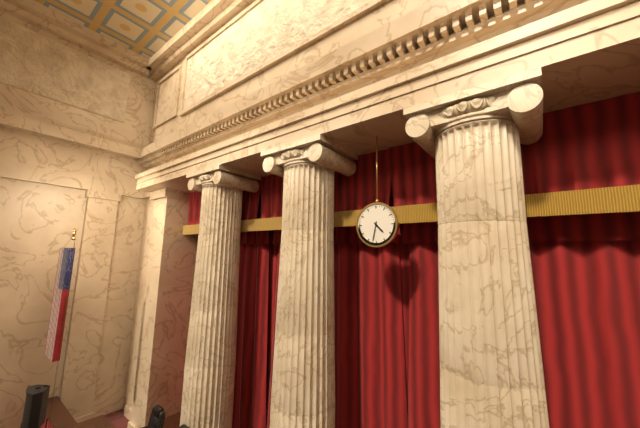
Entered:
4 h 32 min
